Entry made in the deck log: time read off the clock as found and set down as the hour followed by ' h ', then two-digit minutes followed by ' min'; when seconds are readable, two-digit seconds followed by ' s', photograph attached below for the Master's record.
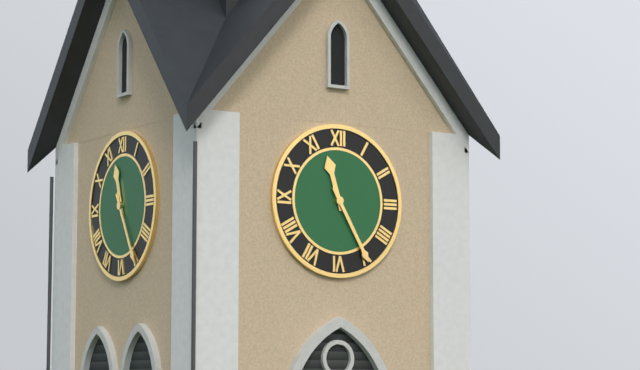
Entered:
11 h 25 min
